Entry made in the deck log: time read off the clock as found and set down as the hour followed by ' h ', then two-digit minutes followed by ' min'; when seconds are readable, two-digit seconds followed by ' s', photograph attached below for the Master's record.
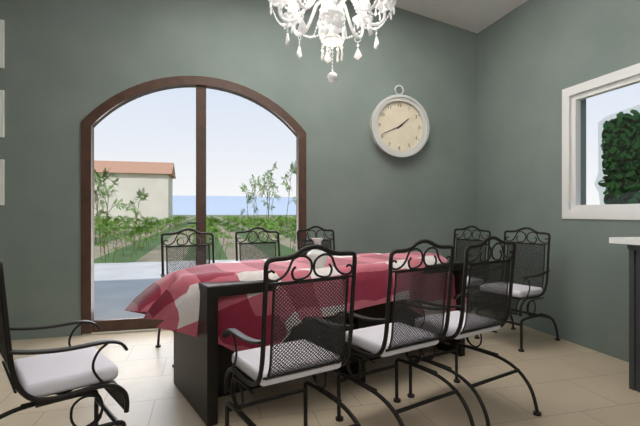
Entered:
1 h 41 min
